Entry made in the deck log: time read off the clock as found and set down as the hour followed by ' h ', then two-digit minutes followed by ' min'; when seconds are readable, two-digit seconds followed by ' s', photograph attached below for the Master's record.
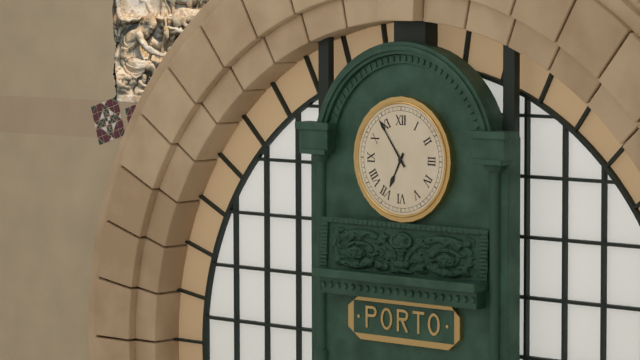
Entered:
6 h 54 min
